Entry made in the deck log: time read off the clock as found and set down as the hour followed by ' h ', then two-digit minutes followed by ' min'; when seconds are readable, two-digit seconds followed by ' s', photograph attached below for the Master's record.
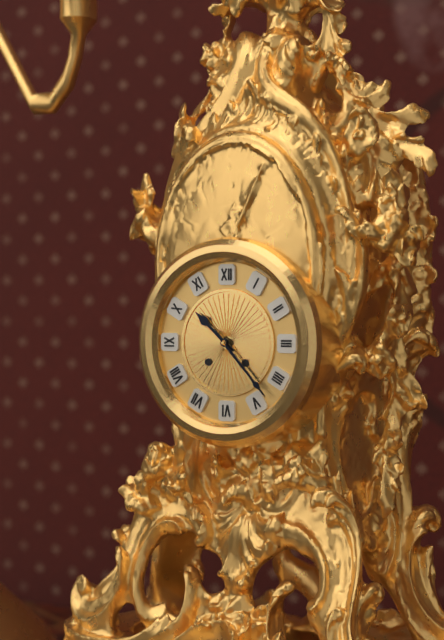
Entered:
10 h 23 min
